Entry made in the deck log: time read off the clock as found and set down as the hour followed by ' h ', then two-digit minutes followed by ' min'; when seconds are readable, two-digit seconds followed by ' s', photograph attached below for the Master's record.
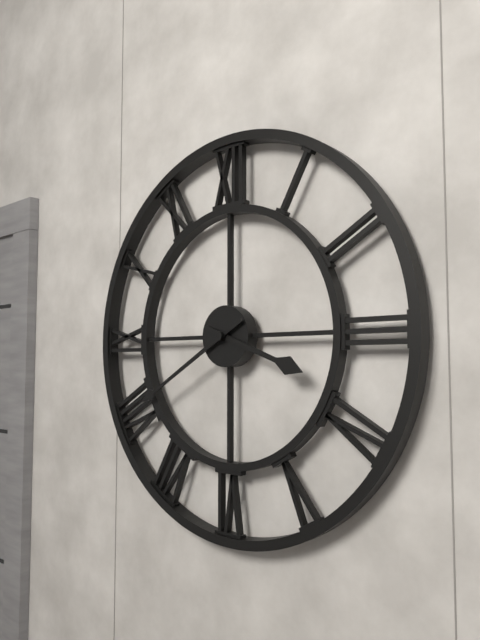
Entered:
3 h 40 min
